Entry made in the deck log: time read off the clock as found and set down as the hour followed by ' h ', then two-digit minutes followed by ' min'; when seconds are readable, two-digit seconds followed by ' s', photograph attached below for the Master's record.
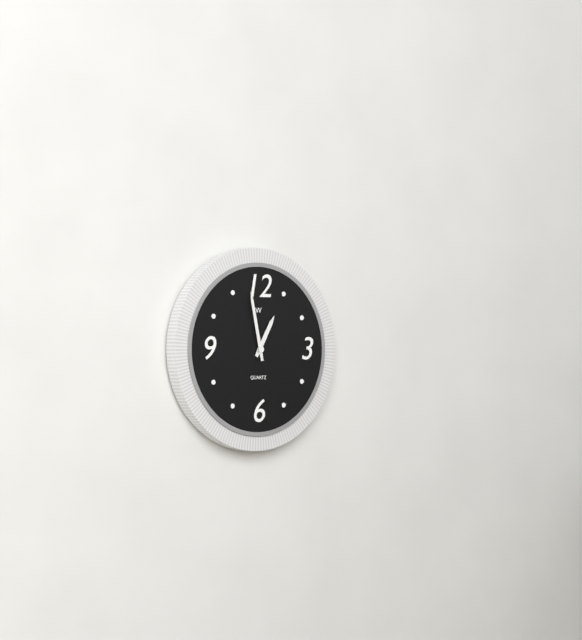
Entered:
12 h 58 min
